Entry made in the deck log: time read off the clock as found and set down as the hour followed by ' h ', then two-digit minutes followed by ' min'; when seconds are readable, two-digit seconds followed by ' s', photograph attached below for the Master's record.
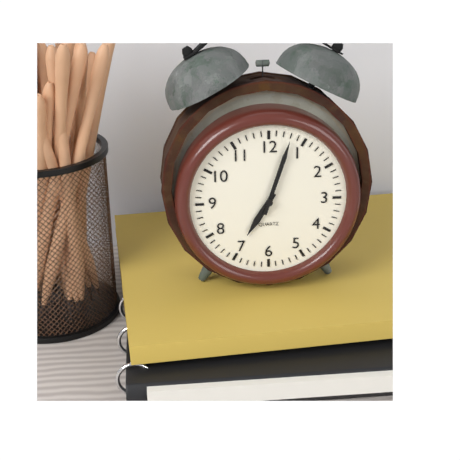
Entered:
7 h 03 min
